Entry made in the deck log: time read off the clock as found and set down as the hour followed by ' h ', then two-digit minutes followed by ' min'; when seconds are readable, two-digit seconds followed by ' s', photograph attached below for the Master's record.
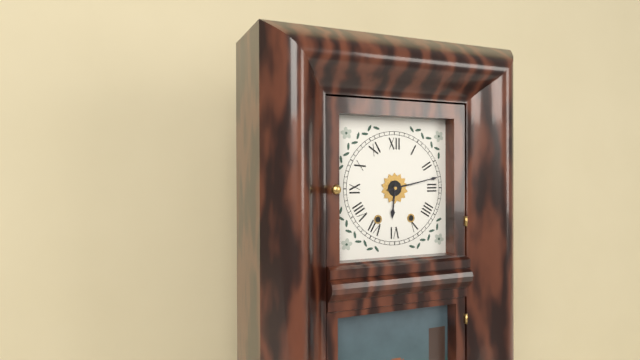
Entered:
6 h 13 min
